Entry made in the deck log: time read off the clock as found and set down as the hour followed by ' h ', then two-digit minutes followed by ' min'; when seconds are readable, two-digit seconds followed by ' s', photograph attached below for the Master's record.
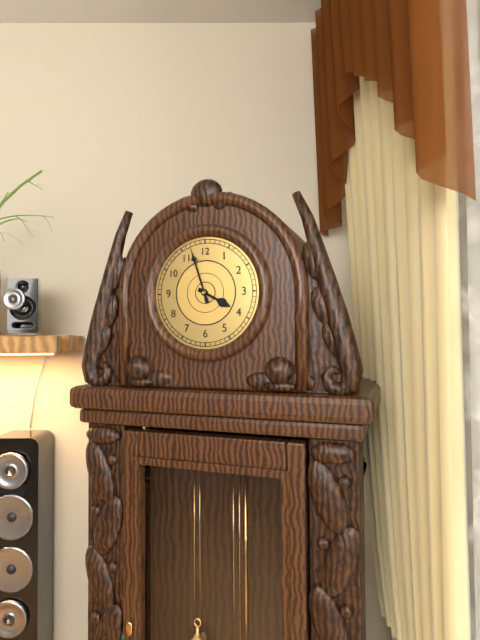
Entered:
3 h 57 min
